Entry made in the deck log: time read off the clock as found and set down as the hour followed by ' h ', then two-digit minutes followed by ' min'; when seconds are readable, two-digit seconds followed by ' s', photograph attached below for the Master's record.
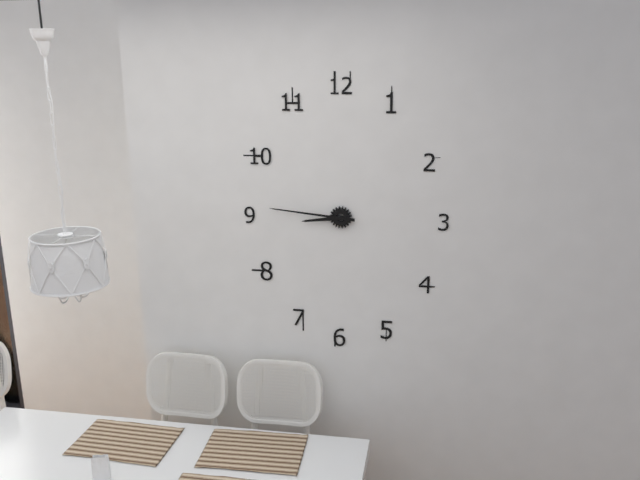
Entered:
8 h 46 min
